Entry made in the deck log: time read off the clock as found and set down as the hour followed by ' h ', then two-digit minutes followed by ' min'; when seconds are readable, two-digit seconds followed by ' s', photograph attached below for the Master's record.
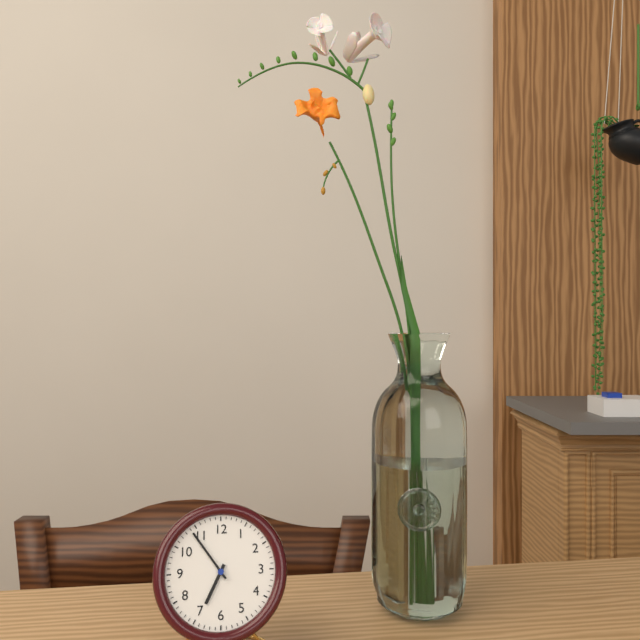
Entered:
6 h 54 min
